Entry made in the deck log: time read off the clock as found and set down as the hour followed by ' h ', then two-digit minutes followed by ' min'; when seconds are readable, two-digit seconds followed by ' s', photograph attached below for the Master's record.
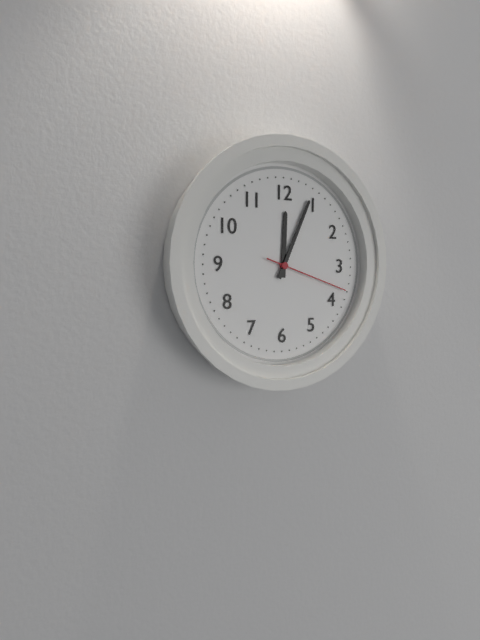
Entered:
12 h 04 min 18 s
